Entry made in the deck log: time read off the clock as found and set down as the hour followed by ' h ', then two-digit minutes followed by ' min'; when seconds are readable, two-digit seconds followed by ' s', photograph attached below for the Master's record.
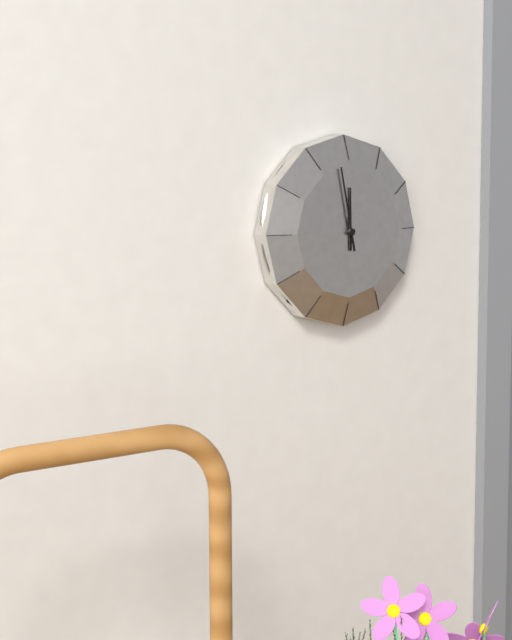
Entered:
11 h 58 min
